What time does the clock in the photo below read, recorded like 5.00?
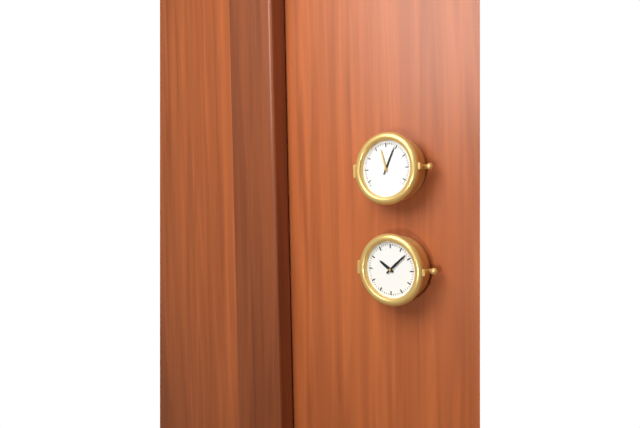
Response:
10.08
